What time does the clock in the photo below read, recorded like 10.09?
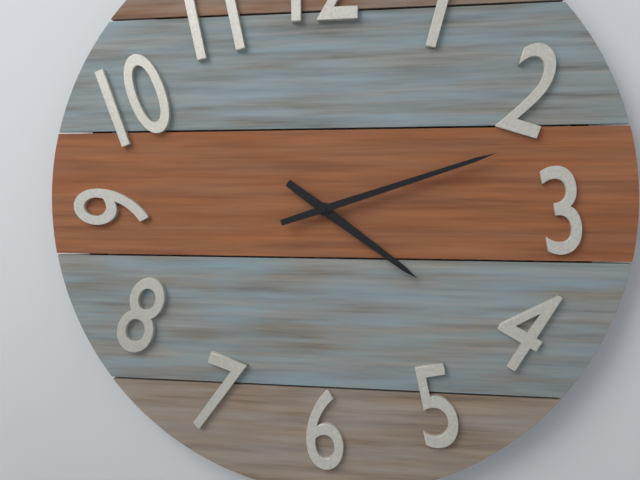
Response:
4.12
